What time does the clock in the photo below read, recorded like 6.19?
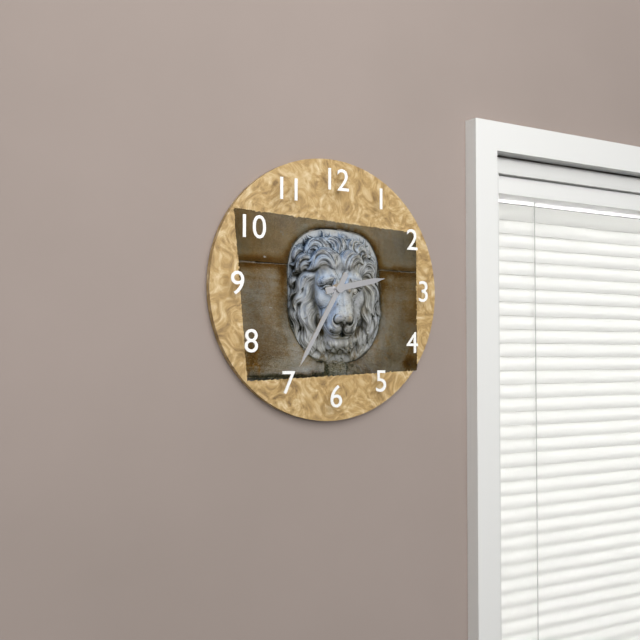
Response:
2.35
